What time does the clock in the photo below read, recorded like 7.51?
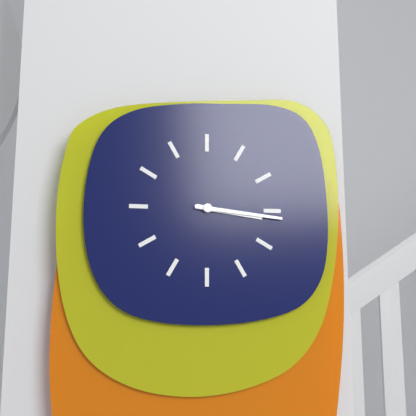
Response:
3.16
